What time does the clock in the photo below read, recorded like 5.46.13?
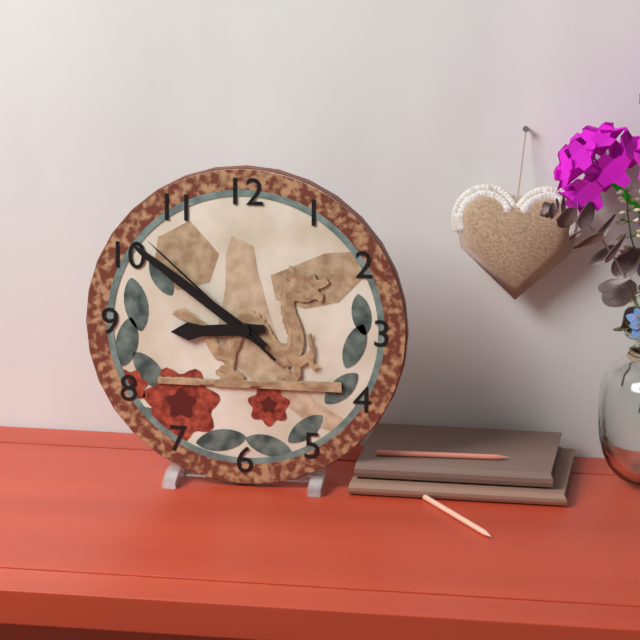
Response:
8.51.52
